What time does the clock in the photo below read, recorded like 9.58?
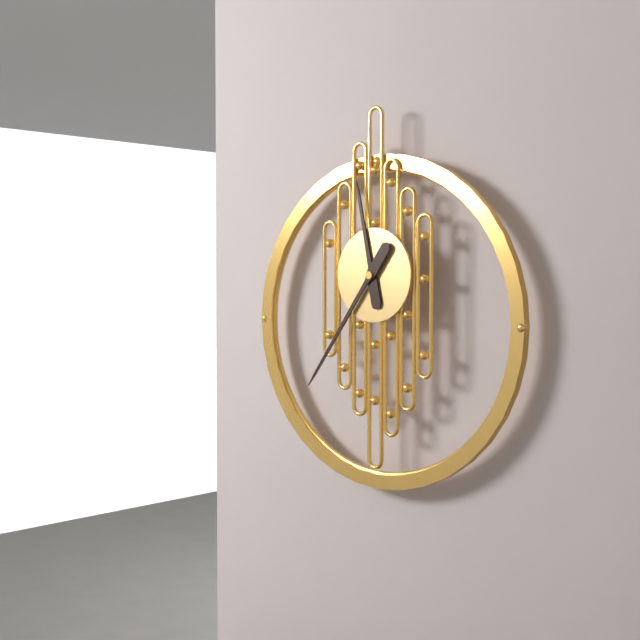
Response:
11.36
